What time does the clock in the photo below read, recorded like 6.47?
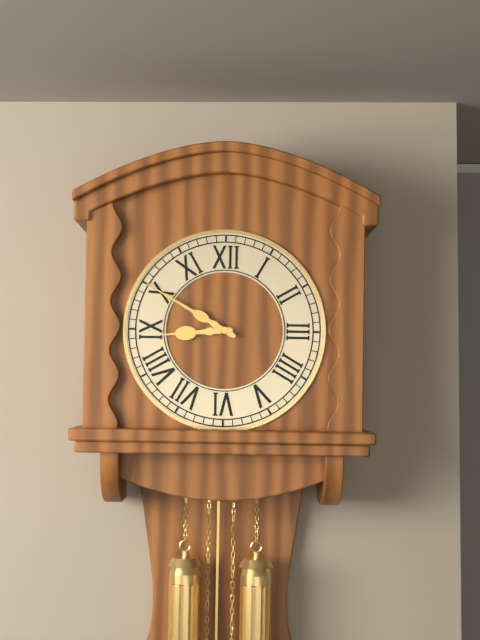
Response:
8.50
